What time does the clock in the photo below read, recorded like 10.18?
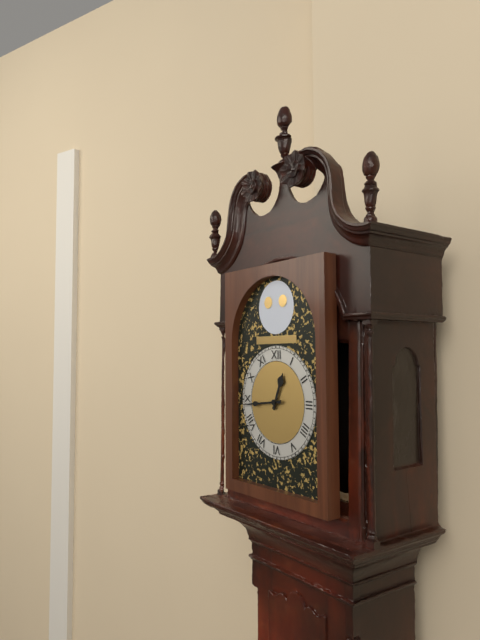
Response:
12.44
